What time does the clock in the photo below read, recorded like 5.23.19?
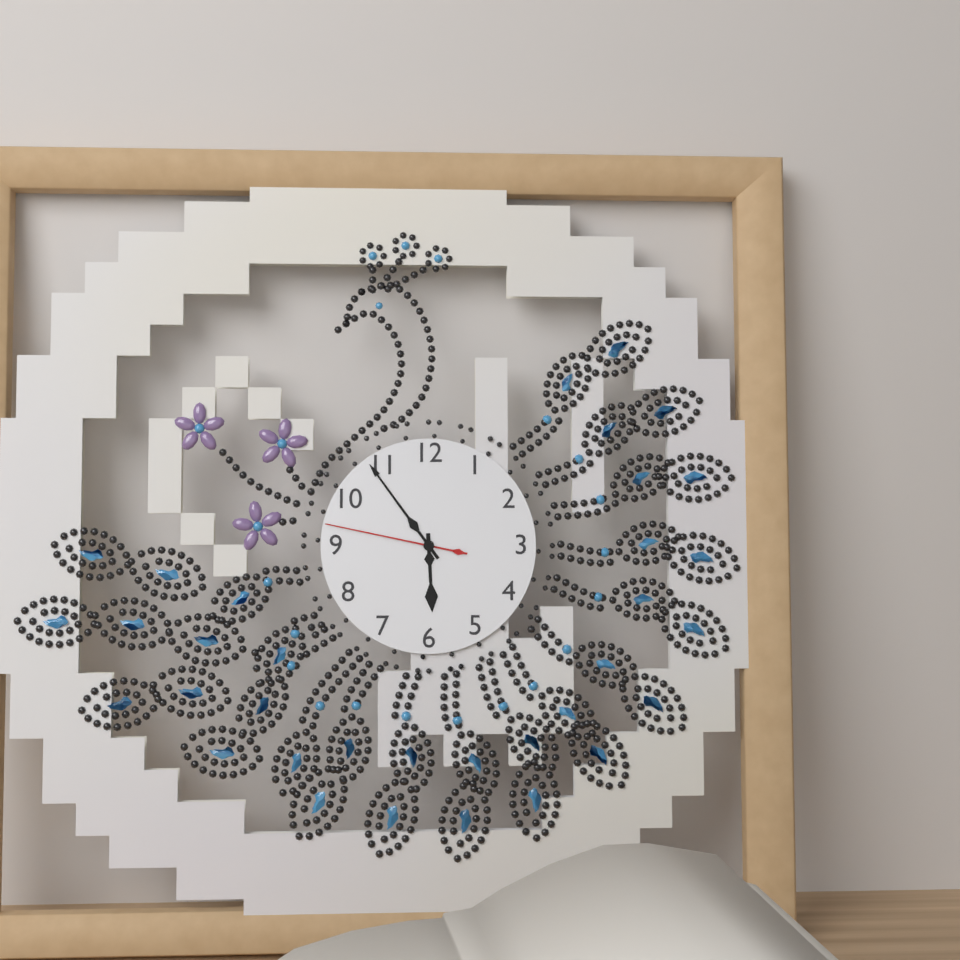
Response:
5.54.47
